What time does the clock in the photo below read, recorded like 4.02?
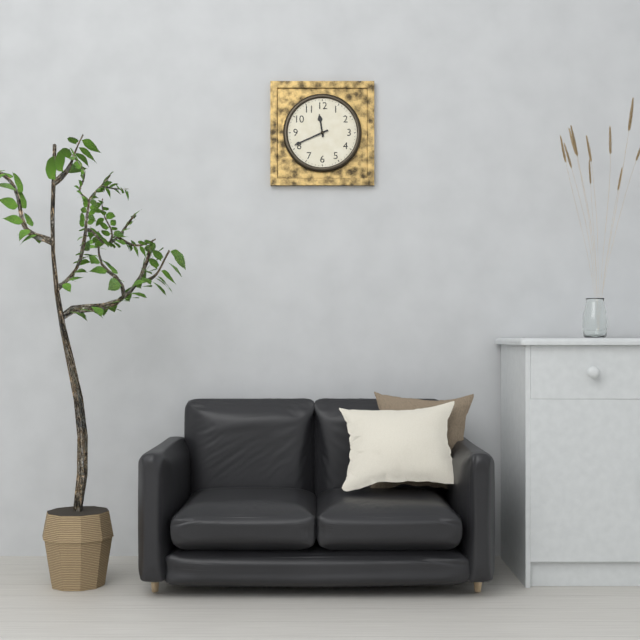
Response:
11.41
